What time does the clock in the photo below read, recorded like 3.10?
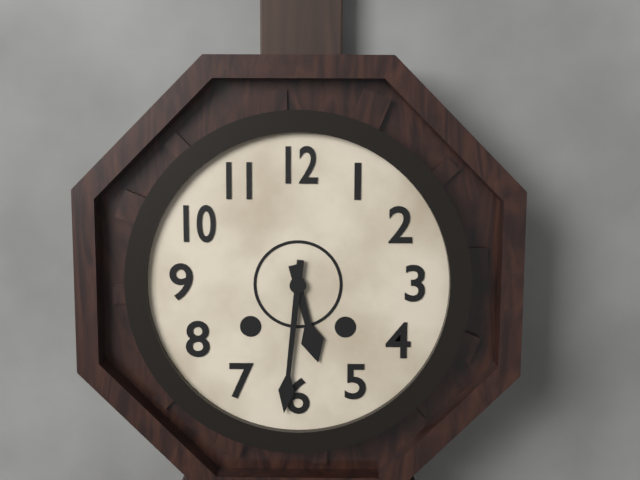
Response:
5.31
